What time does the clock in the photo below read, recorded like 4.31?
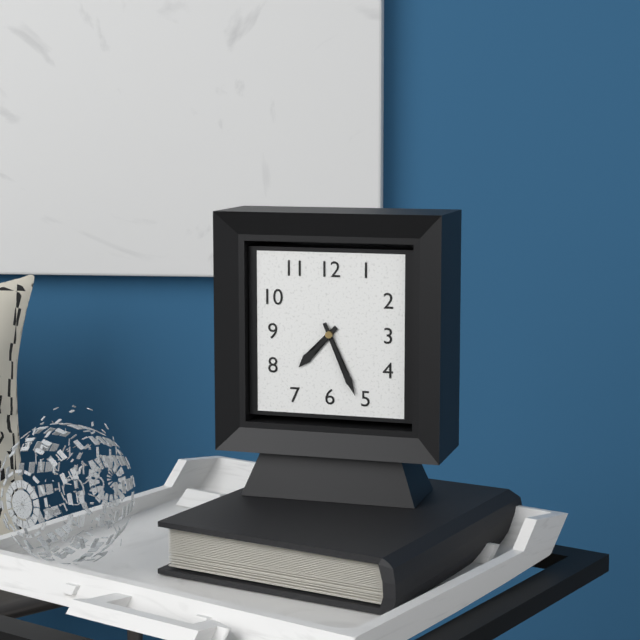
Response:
7.26
